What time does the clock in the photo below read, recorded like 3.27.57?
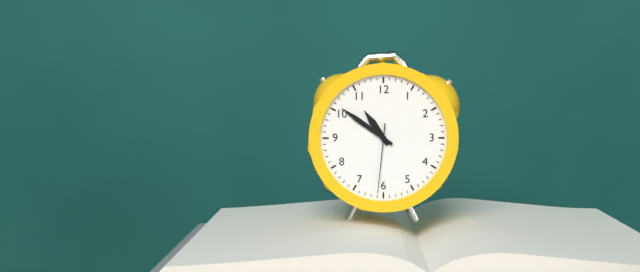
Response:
10.51.31
